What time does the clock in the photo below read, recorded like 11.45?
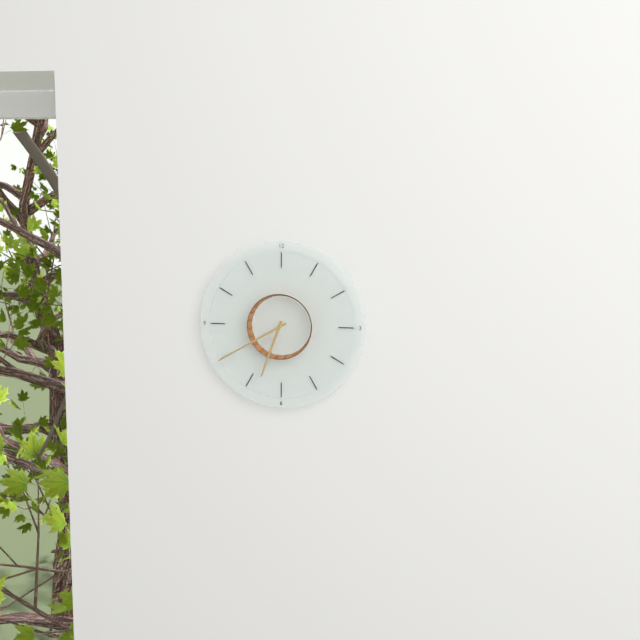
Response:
6.40
